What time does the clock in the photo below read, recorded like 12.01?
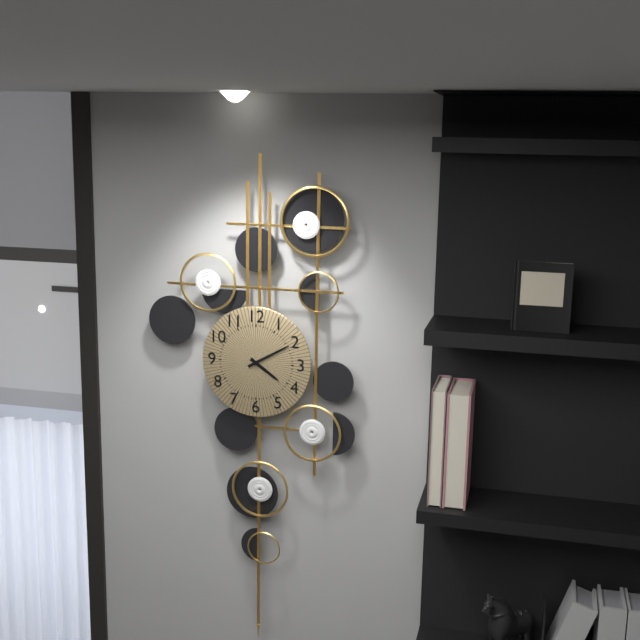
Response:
4.10
